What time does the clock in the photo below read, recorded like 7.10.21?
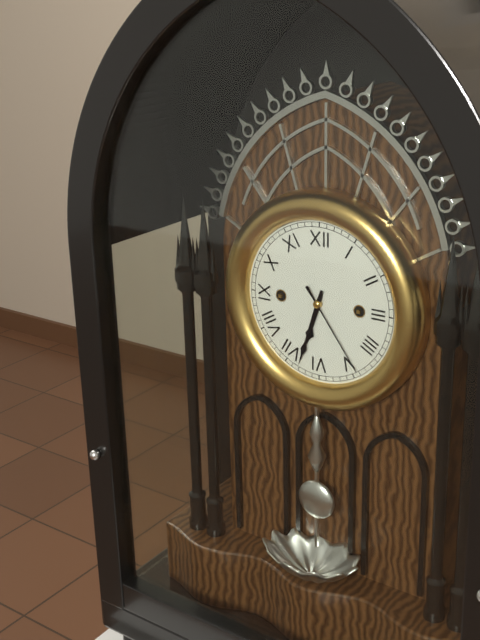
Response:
6.33.24
